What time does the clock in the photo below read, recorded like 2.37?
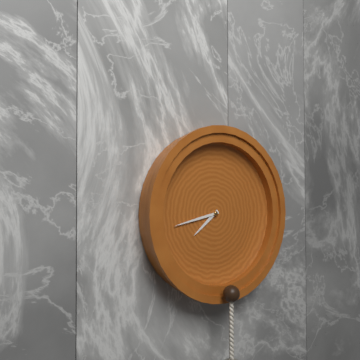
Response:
7.43
